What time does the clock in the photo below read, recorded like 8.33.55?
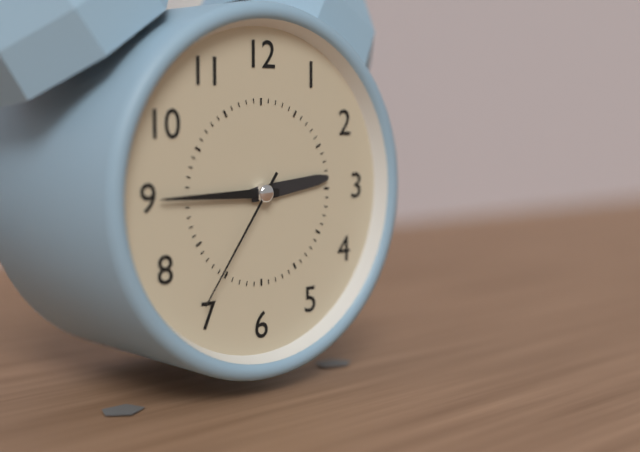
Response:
2.45.36
